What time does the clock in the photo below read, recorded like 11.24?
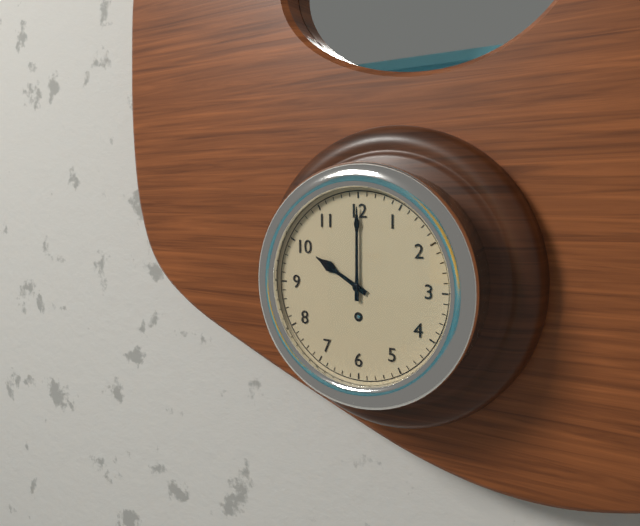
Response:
10.00
